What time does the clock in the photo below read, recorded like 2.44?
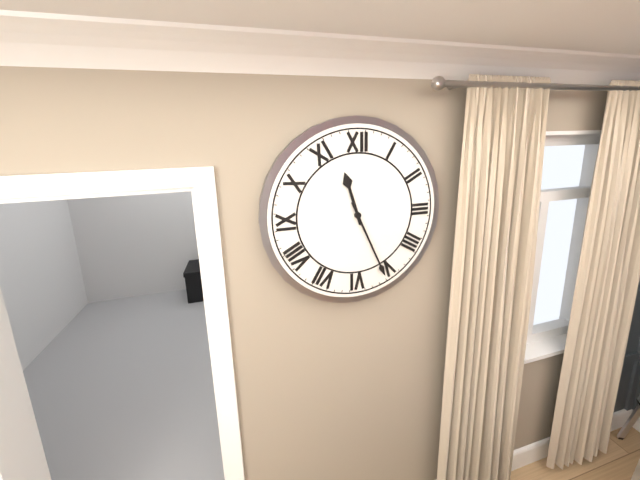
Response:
11.26
